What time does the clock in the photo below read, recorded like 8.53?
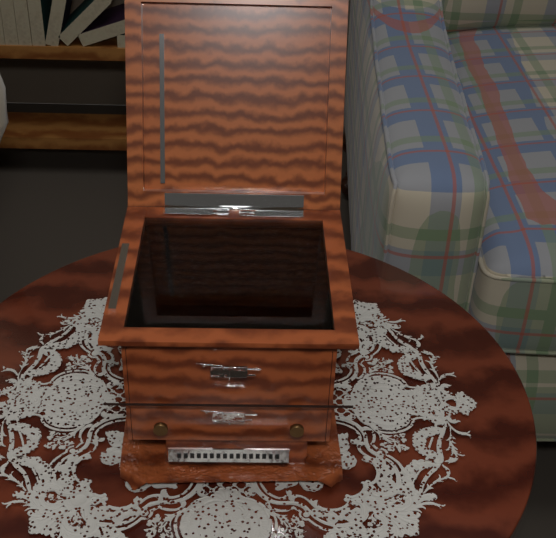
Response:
10.15
